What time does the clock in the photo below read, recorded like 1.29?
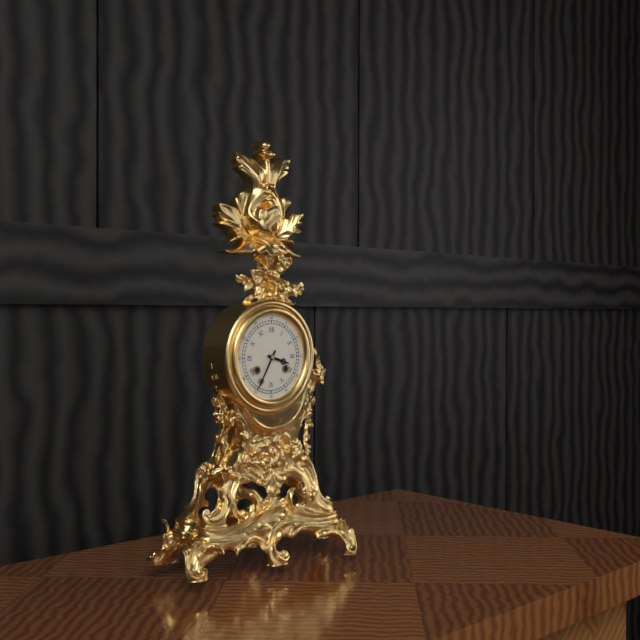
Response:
3.35
